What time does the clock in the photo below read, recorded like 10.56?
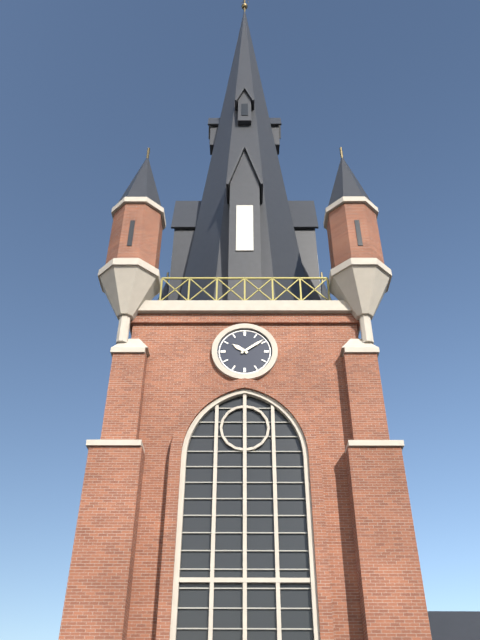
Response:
10.09
